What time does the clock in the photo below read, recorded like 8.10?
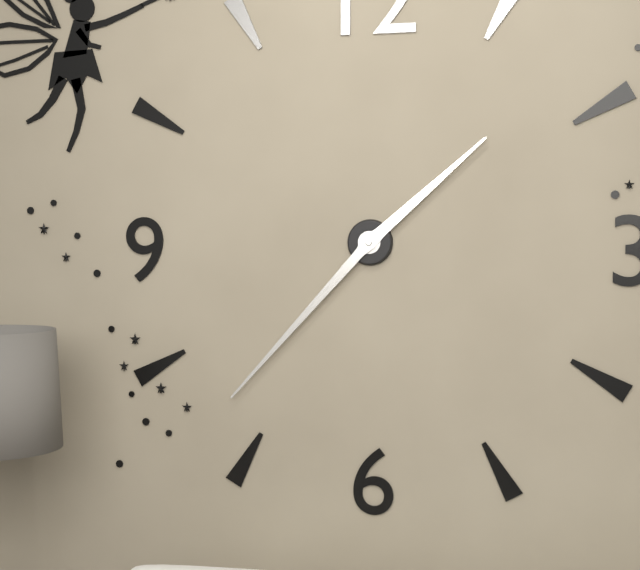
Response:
1.37
